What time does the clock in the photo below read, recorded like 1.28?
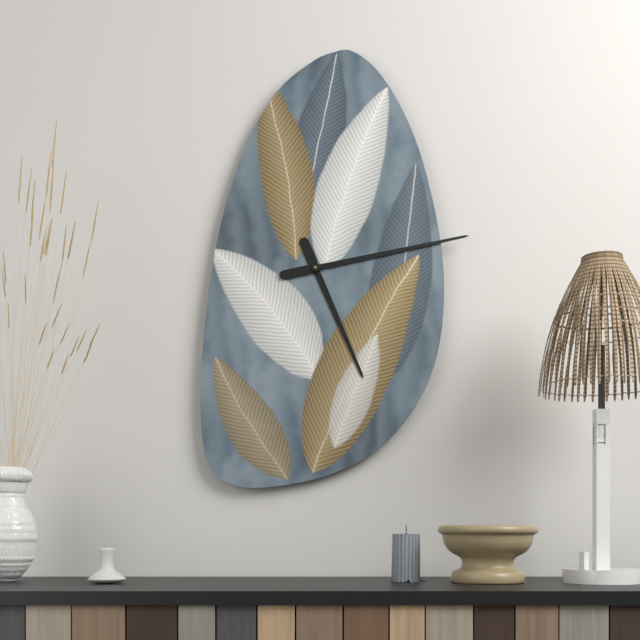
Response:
5.13
